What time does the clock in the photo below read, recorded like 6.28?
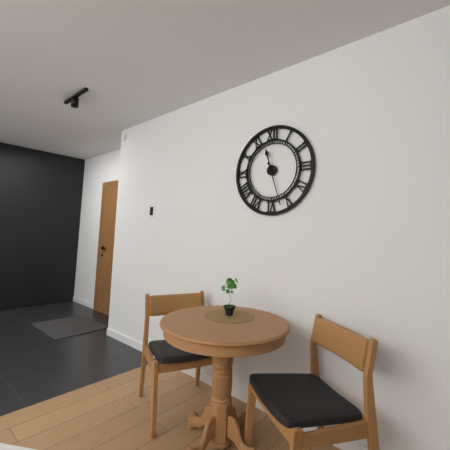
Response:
11.27
